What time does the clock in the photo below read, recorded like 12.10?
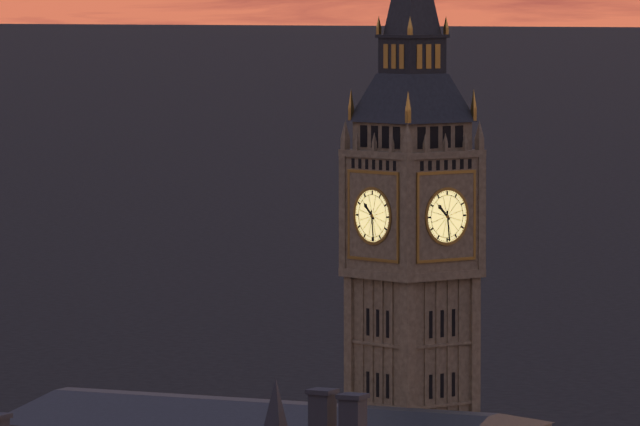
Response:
10.29
